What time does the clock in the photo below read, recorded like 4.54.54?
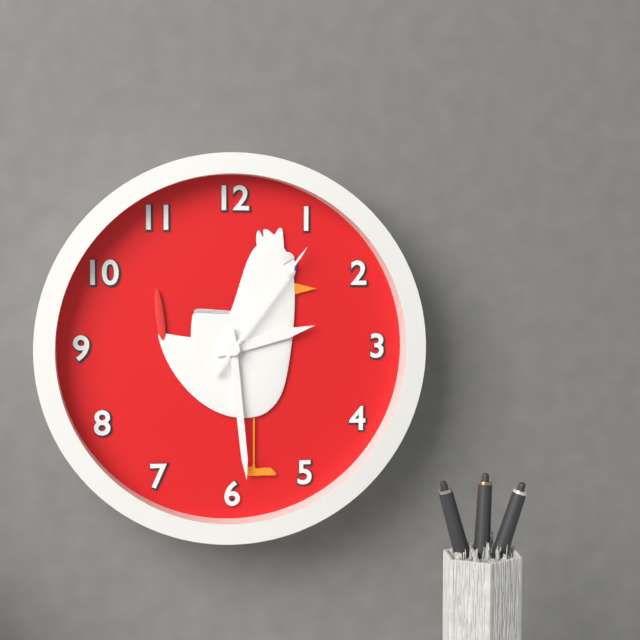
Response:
2.29.06
